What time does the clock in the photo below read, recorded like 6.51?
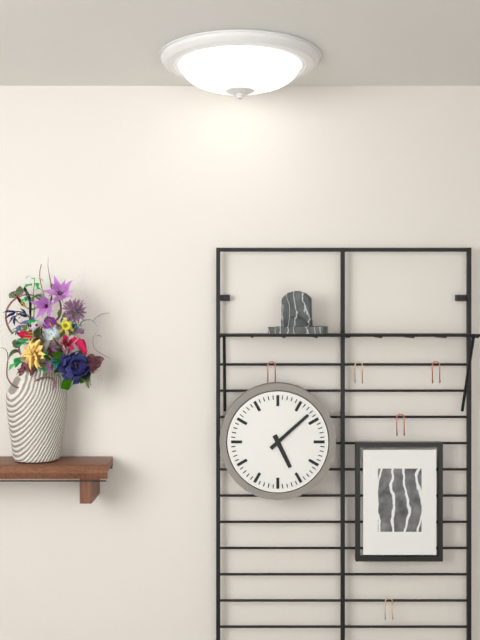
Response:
5.08
